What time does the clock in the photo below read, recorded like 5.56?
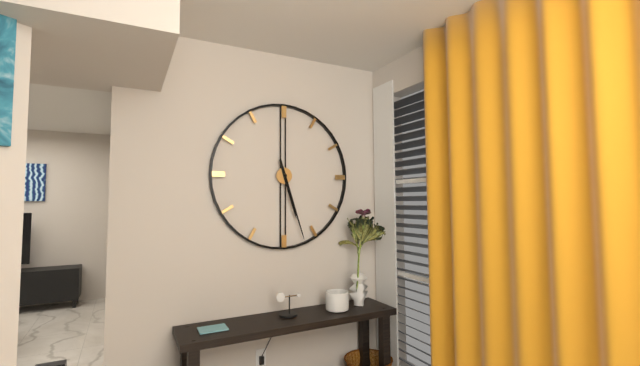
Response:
5.27
